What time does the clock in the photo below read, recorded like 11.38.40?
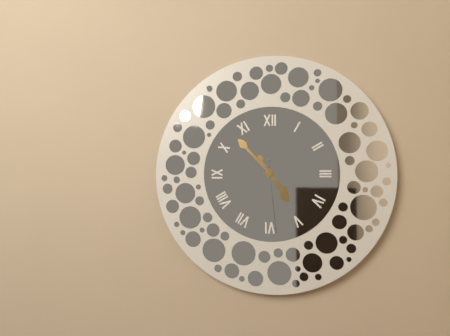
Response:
4.53.29
